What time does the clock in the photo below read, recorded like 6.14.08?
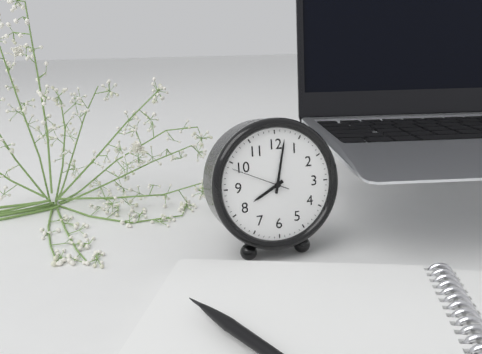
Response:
8.02.49
